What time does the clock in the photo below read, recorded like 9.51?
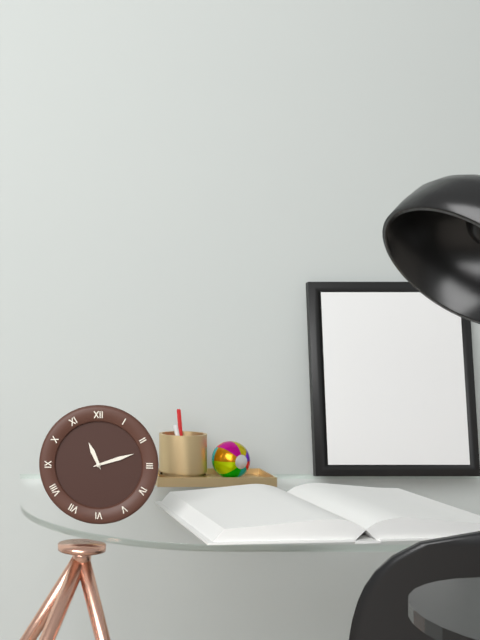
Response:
11.12
